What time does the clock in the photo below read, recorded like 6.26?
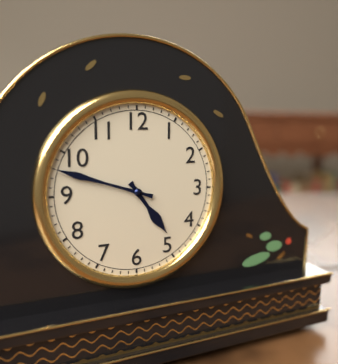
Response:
4.48
